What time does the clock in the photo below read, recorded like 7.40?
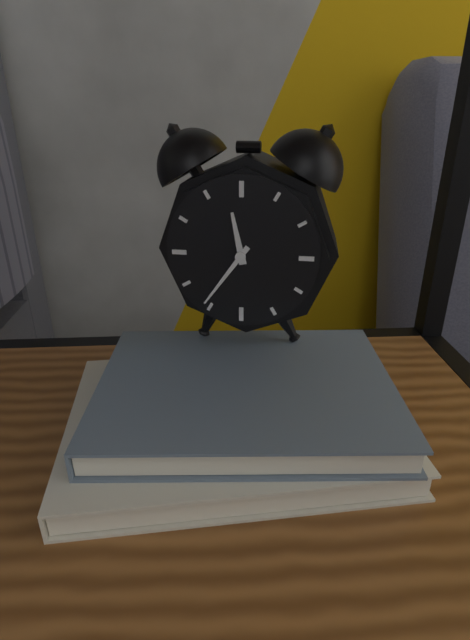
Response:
11.36
